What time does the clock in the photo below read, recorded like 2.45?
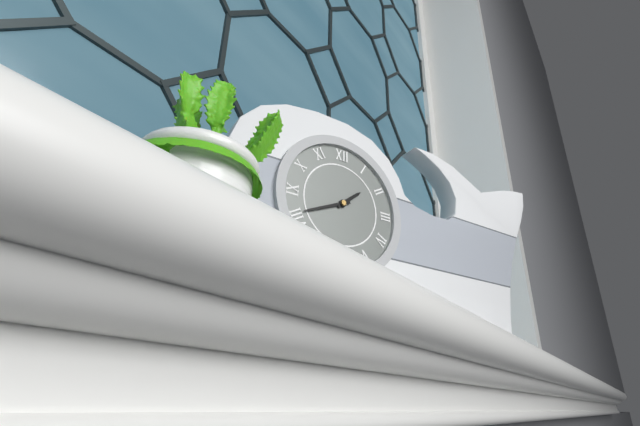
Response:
1.41
